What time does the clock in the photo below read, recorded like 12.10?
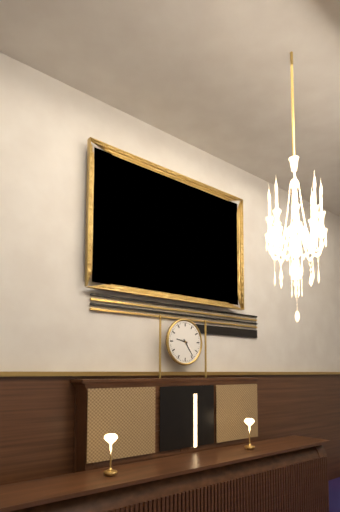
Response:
9.24
